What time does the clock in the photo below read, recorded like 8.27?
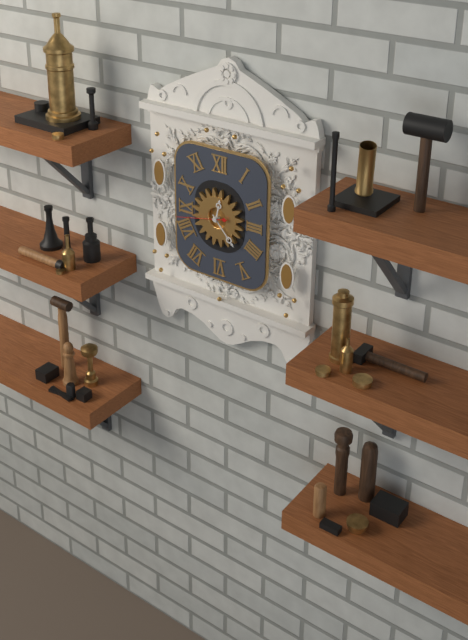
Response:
12.23
